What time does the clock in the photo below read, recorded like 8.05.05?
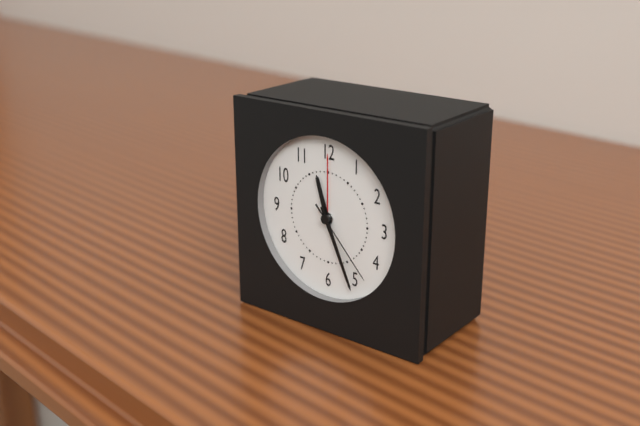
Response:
11.26.23
